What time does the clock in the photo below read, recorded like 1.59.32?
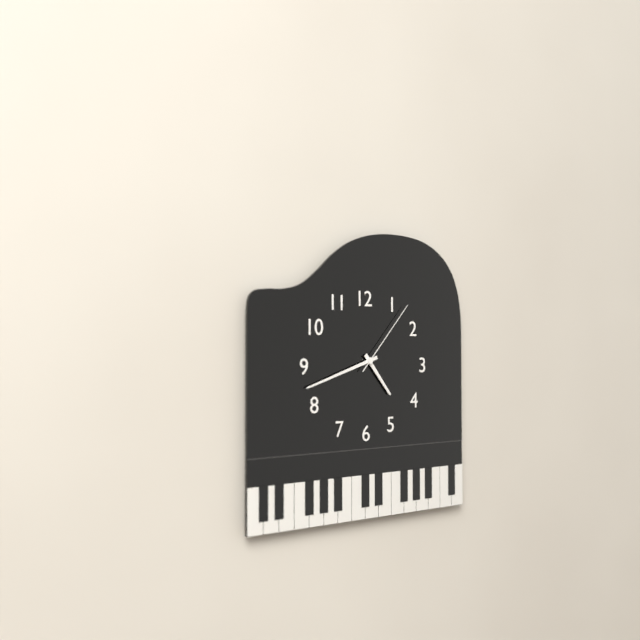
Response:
4.42.07
